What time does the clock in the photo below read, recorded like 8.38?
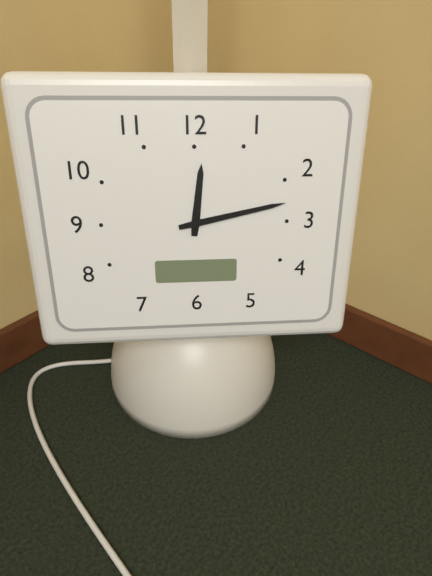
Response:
12.13
